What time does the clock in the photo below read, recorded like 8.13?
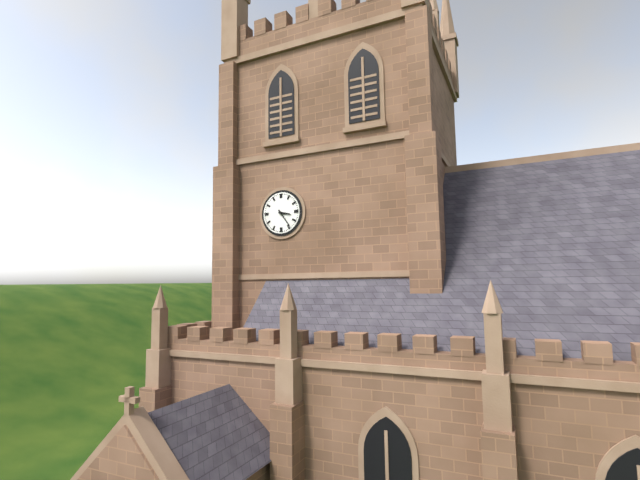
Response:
3.24
